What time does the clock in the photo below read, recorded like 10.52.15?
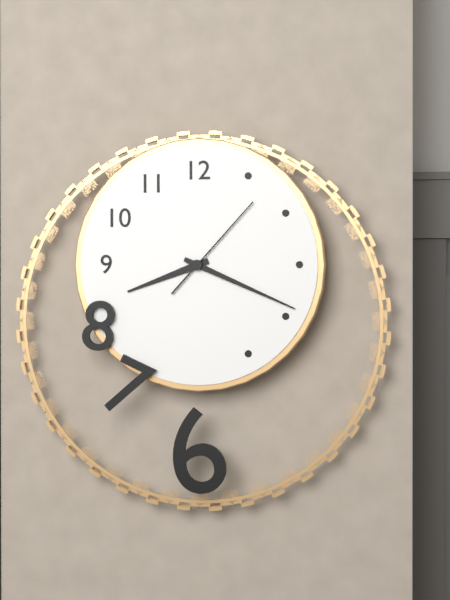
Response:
8.19.07
